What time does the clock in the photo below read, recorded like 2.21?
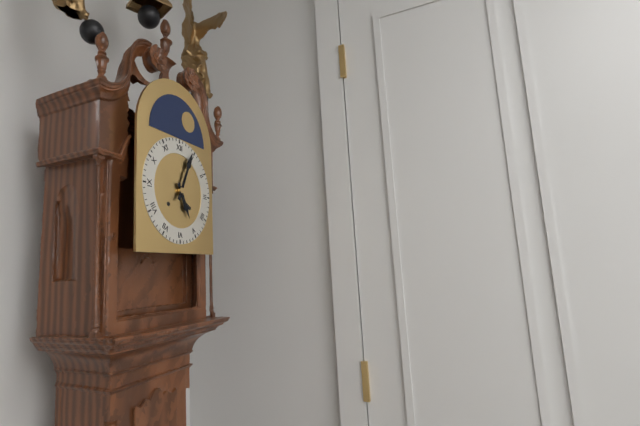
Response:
5.04
